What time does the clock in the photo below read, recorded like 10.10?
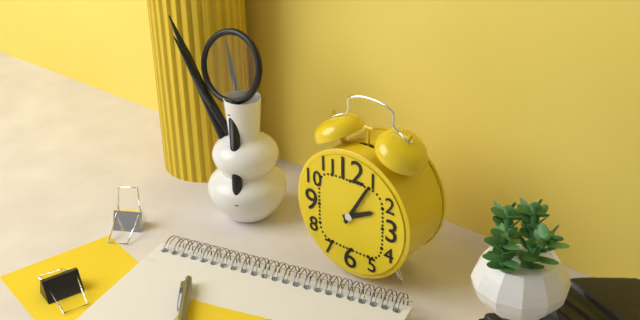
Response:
2.05
